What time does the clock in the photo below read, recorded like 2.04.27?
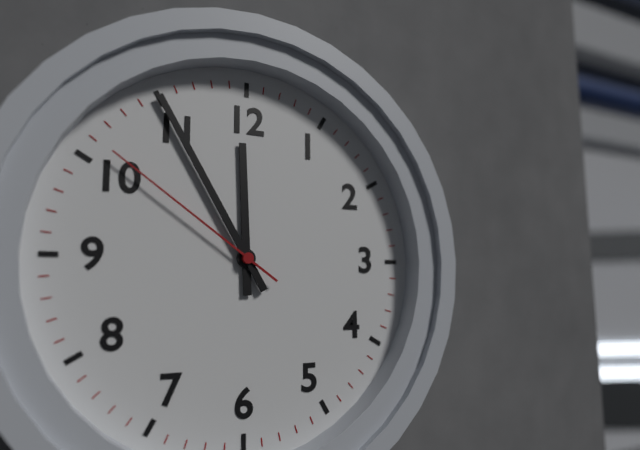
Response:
11.55.51
